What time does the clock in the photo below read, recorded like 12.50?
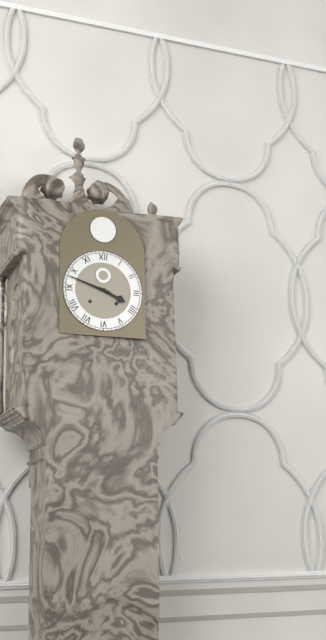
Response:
3.48
